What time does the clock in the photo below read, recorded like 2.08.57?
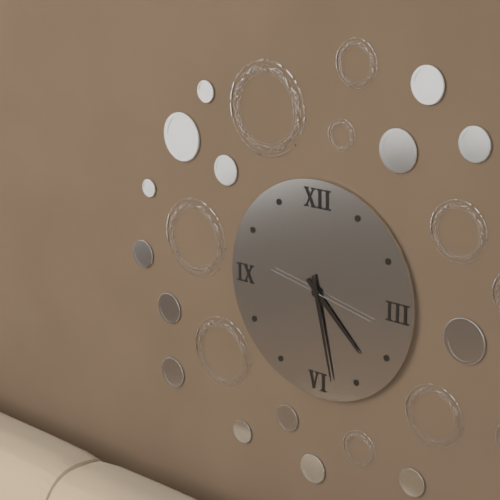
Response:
4.28.17
